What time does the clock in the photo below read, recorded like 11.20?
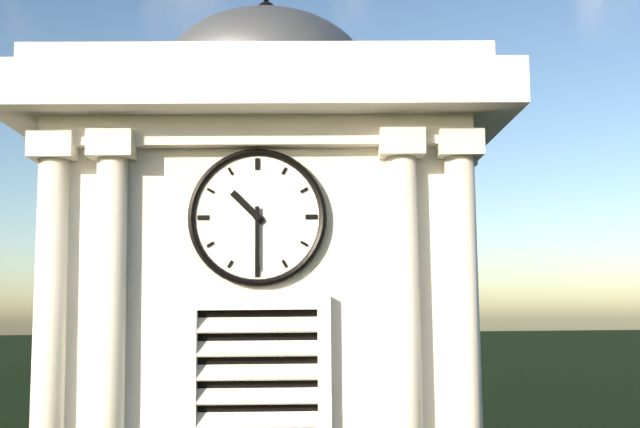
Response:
10.30
